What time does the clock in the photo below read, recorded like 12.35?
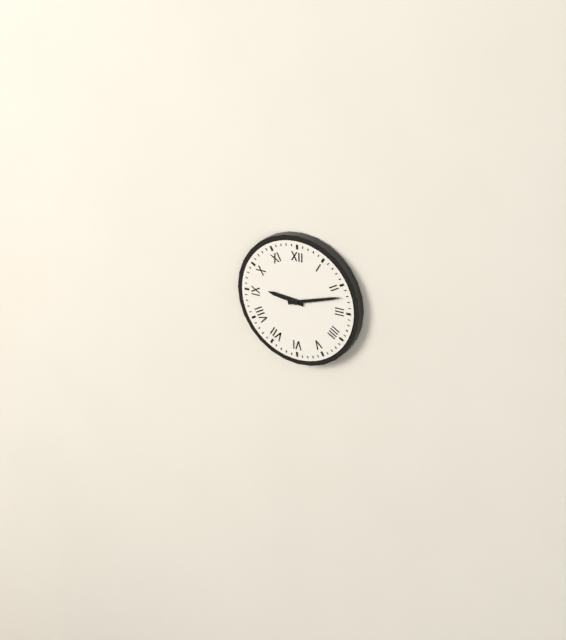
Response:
9.12
